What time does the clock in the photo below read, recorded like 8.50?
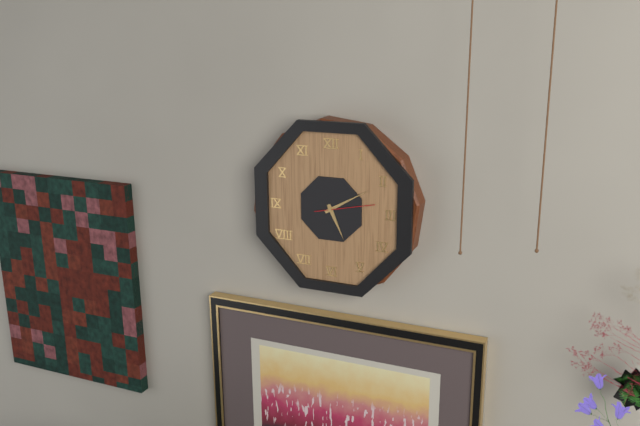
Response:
5.10
